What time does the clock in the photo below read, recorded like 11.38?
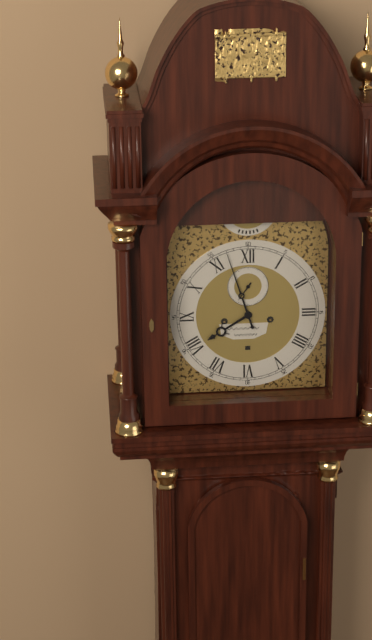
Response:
7.57
